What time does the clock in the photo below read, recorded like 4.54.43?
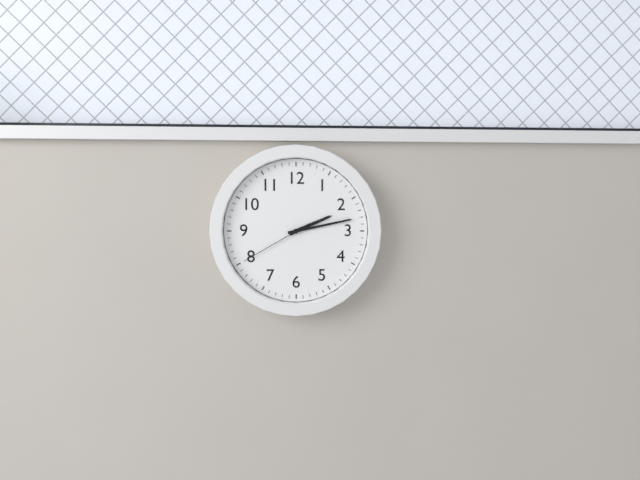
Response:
2.13.40
